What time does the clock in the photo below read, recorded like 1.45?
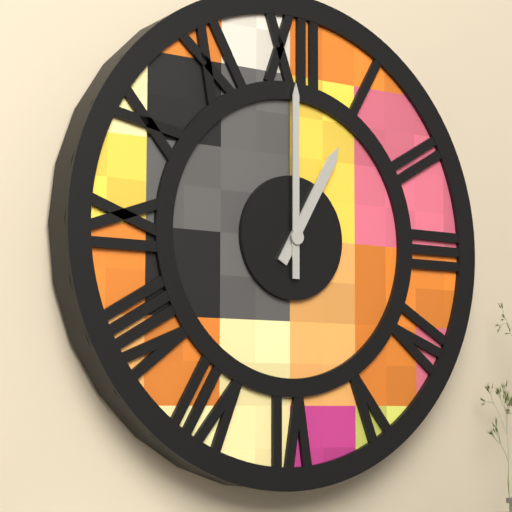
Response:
1.00
